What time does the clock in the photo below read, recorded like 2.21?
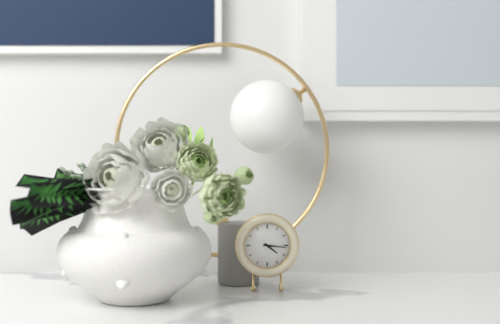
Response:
4.16
